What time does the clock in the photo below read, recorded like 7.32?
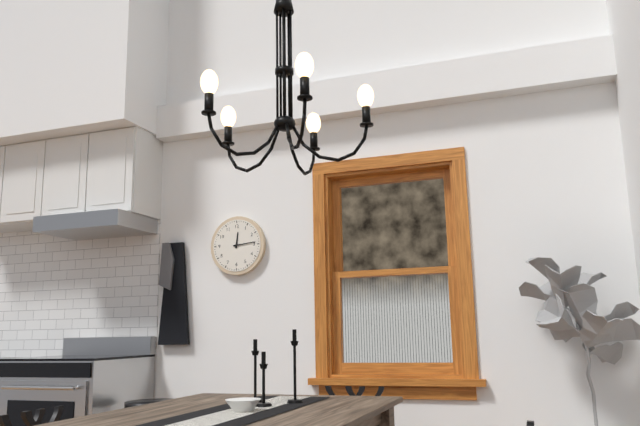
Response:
12.14
